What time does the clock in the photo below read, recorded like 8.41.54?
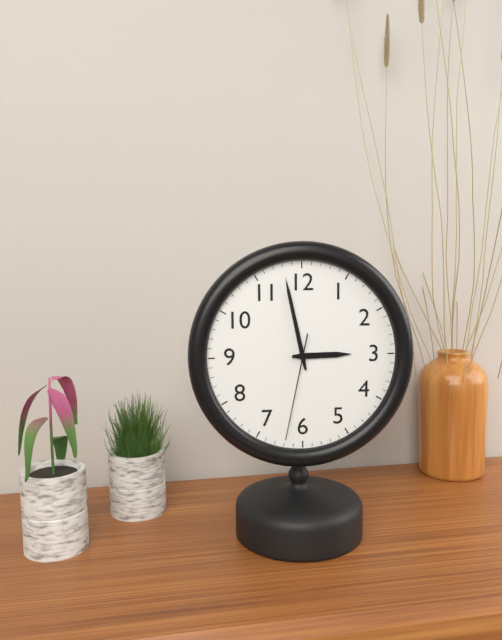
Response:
2.58.32
